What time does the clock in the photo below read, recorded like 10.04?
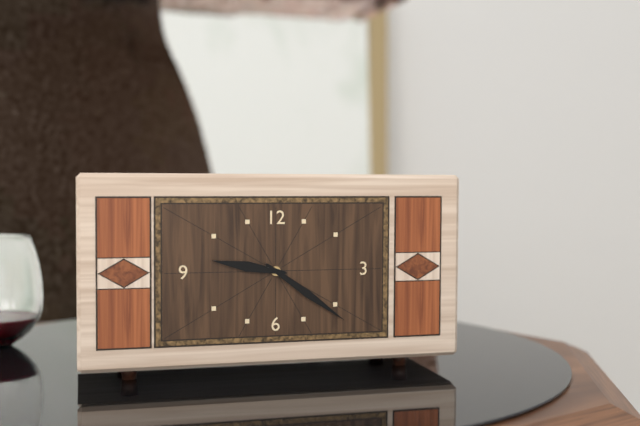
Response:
9.21
